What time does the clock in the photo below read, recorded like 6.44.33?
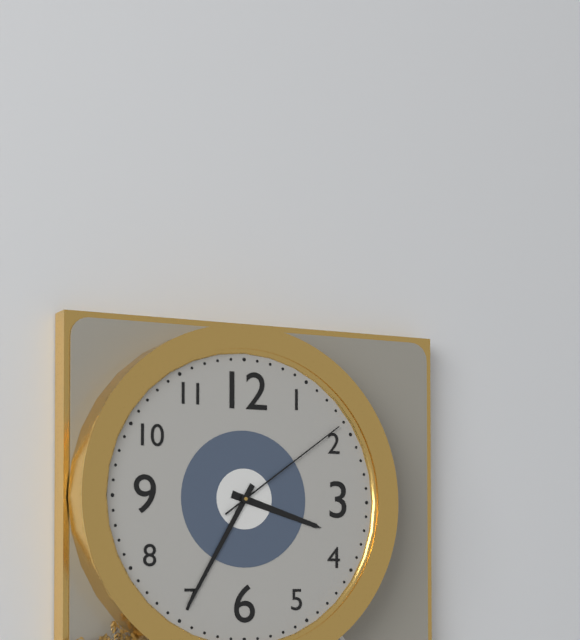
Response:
3.35.09
